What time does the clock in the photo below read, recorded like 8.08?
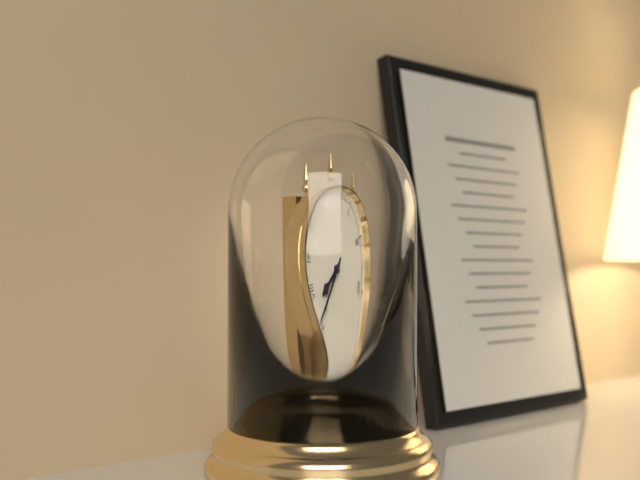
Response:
7.36
